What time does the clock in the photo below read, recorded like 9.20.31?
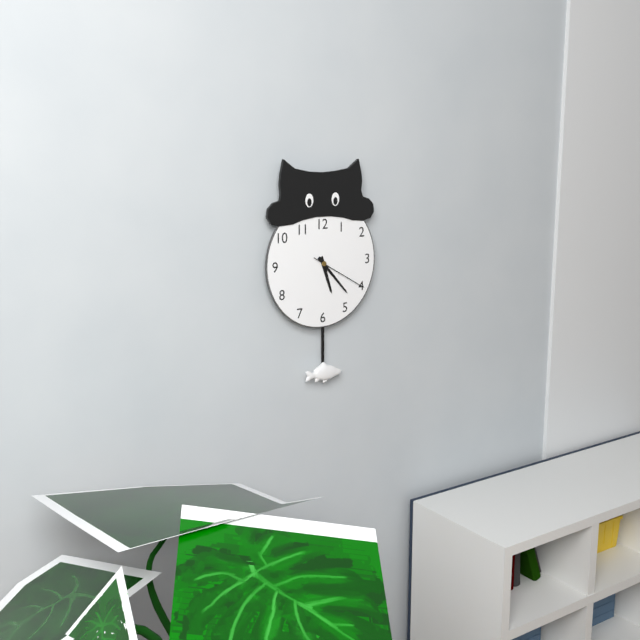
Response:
5.23.20
